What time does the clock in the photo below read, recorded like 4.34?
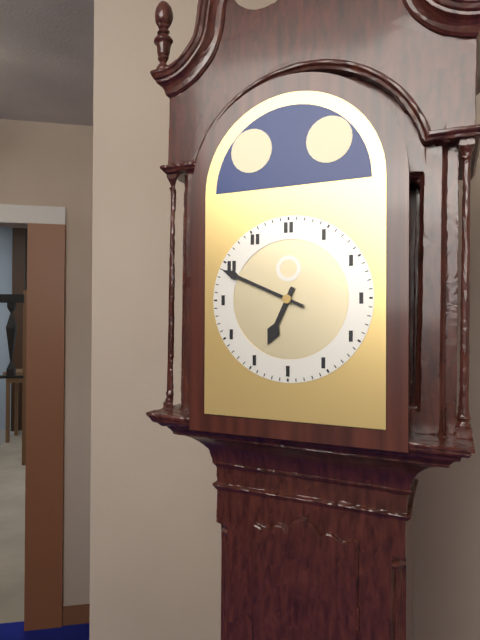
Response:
6.49
